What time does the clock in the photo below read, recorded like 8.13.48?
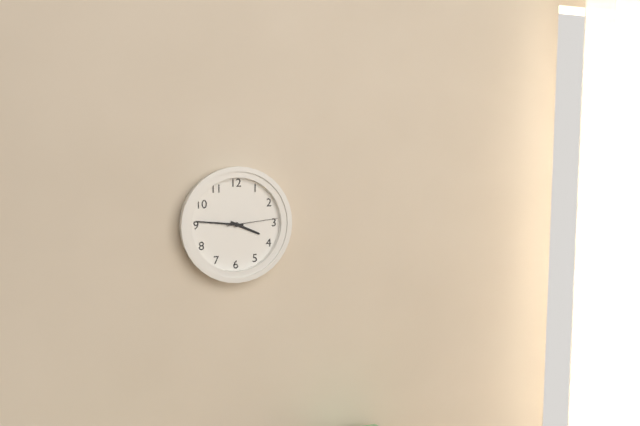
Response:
3.46.14
